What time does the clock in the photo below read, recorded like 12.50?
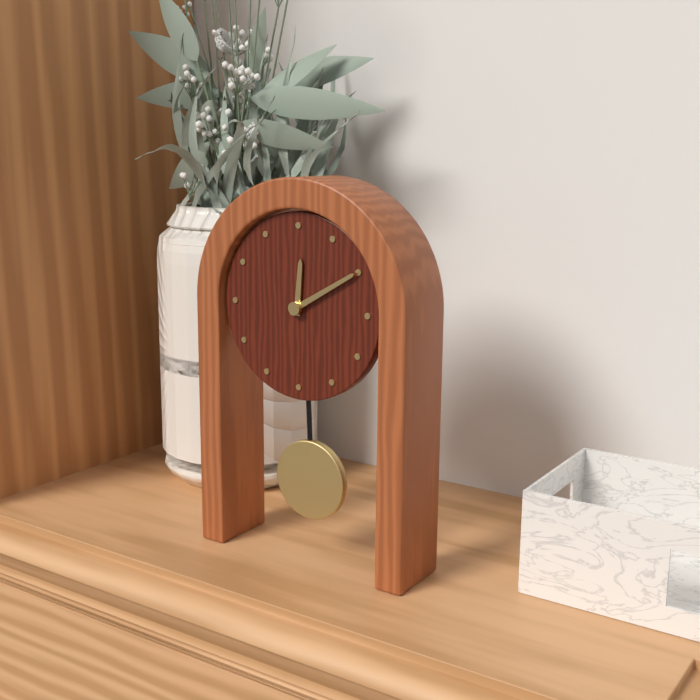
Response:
12.10
